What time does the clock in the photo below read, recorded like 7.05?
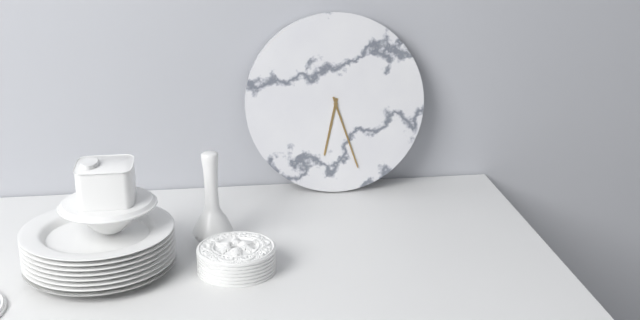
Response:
6.27
